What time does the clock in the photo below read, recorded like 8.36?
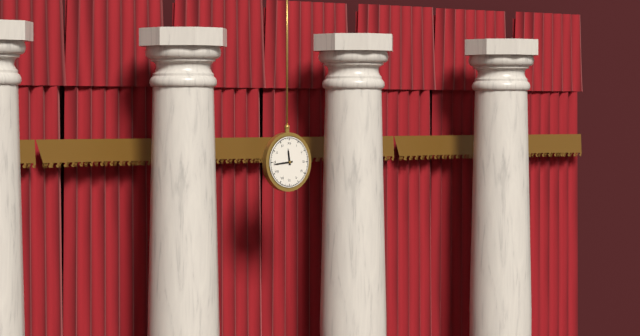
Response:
11.44
